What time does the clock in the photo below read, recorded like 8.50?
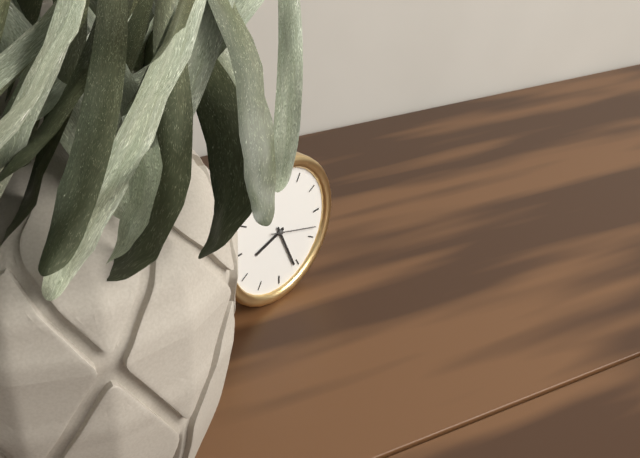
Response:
8.26
